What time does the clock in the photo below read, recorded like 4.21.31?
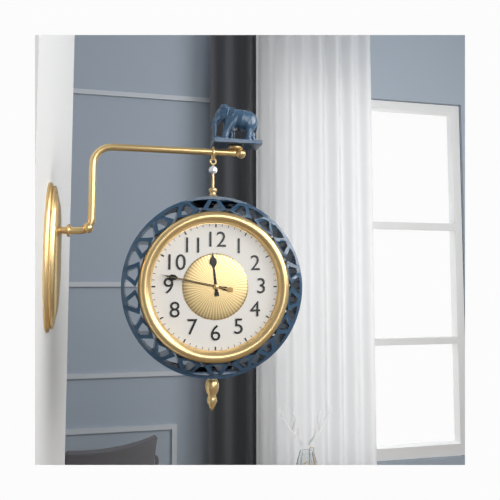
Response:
11.47.47
